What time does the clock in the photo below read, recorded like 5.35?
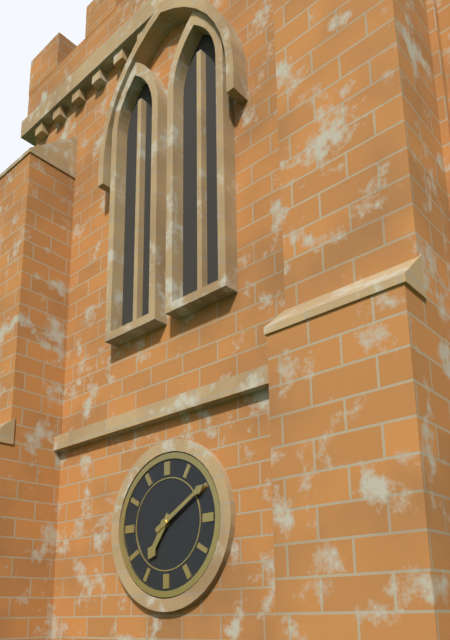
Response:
7.10
